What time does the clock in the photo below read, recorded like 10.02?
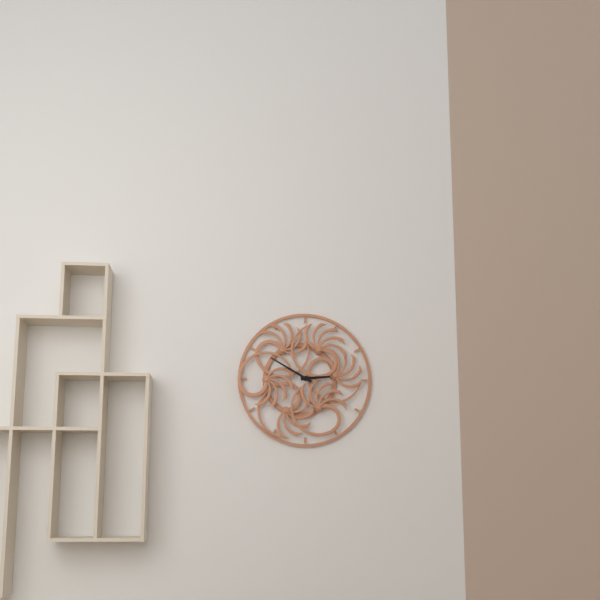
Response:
2.50
